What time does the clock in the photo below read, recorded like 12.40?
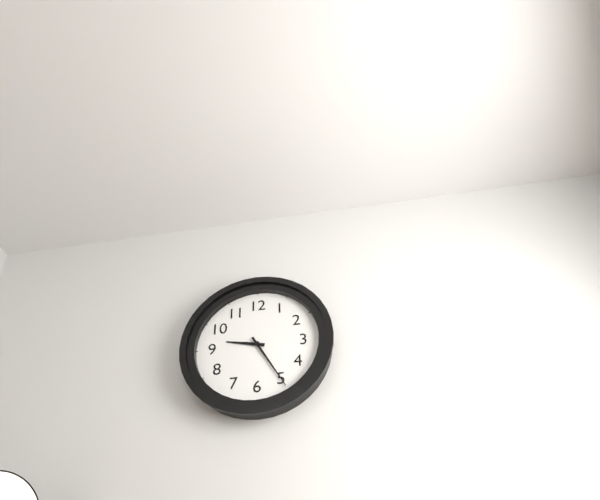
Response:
9.25
